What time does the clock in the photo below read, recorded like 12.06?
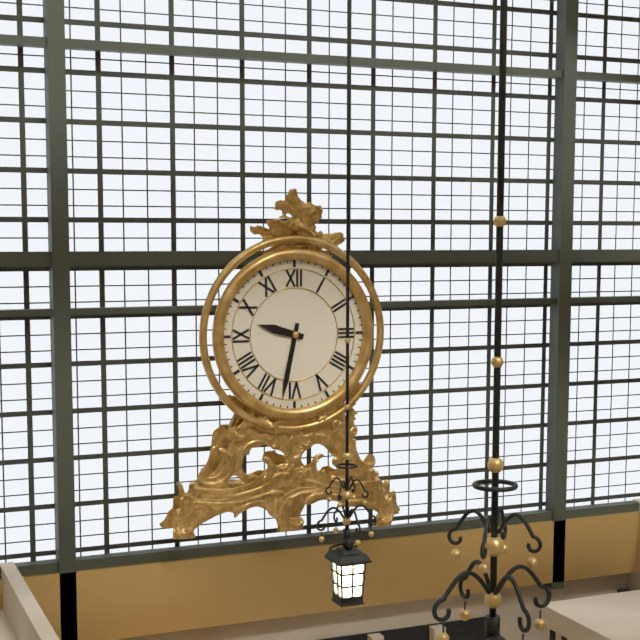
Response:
9.32
